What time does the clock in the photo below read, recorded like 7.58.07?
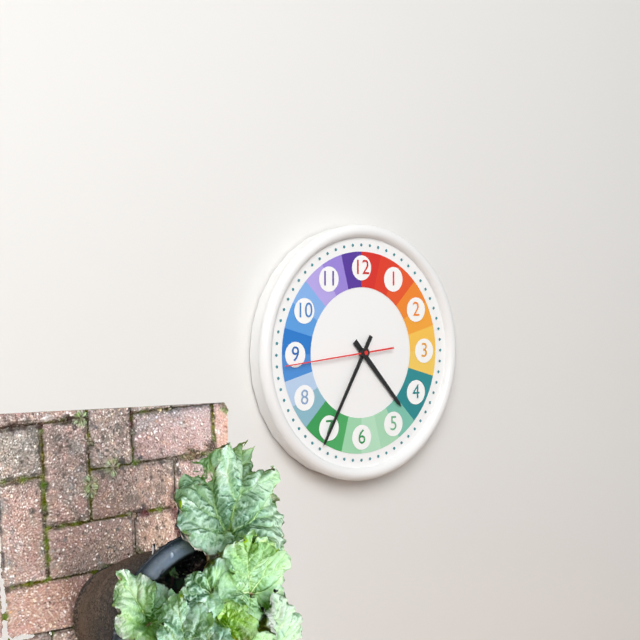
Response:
4.35.44
